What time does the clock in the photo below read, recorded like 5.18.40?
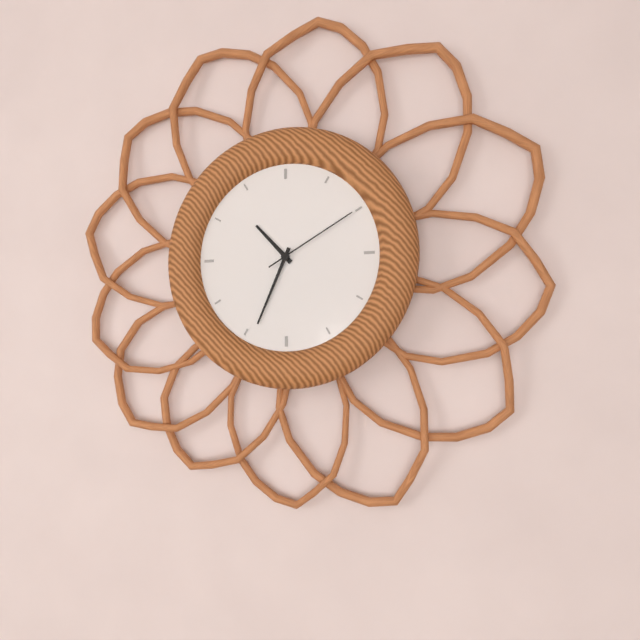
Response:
10.34.10
